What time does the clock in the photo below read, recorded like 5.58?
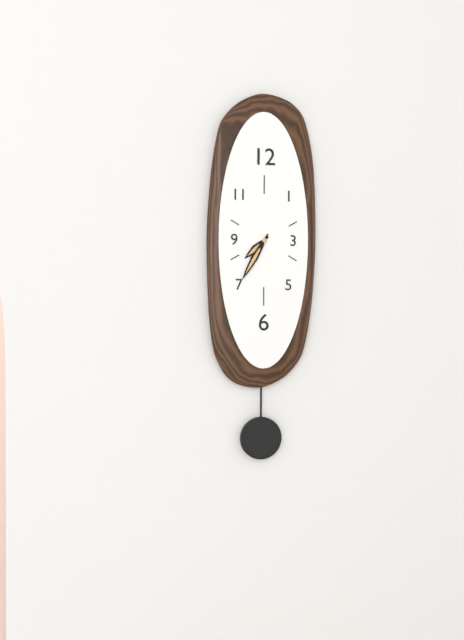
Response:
7.35
